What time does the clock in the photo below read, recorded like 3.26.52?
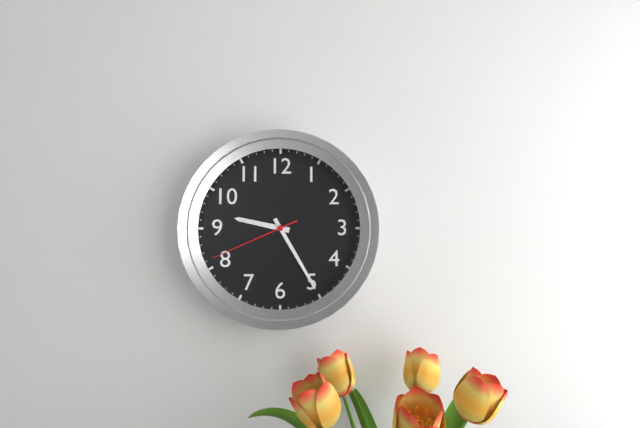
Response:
9.25.41
